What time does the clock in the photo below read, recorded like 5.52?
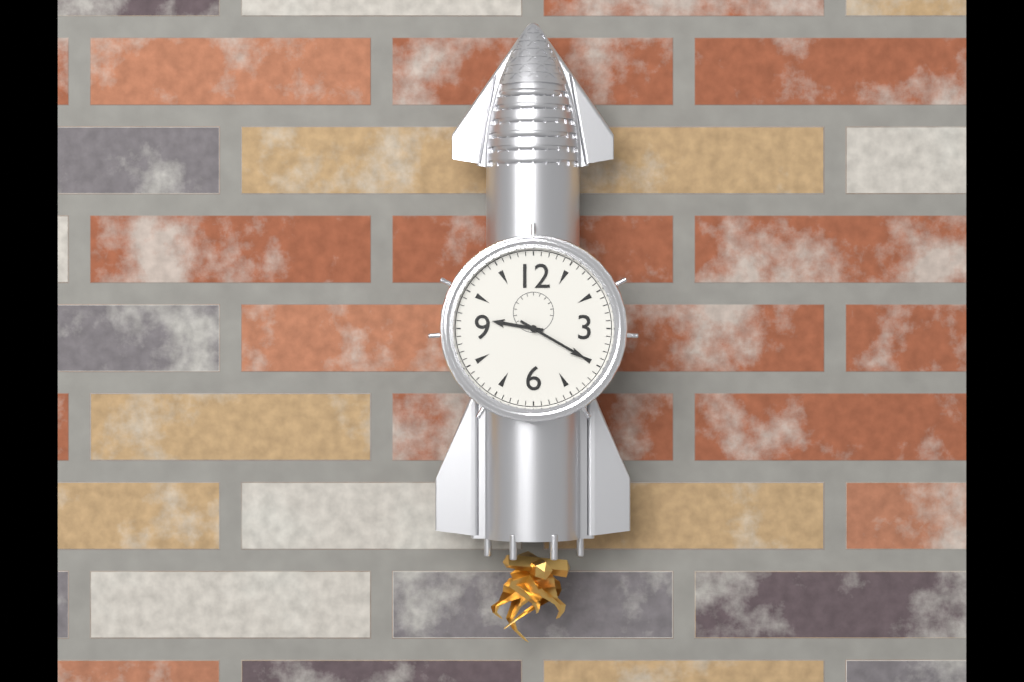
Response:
9.20
